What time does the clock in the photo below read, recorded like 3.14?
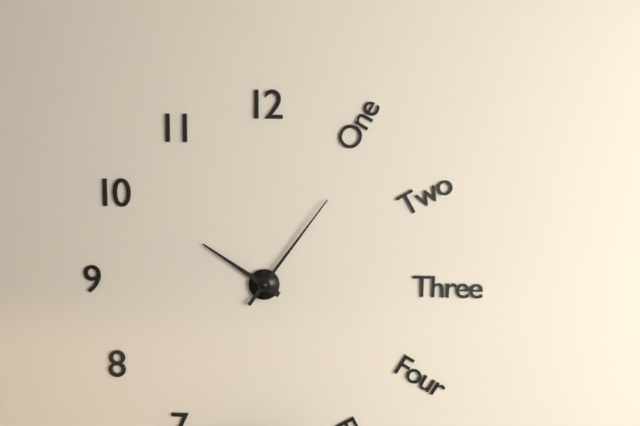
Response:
10.06
